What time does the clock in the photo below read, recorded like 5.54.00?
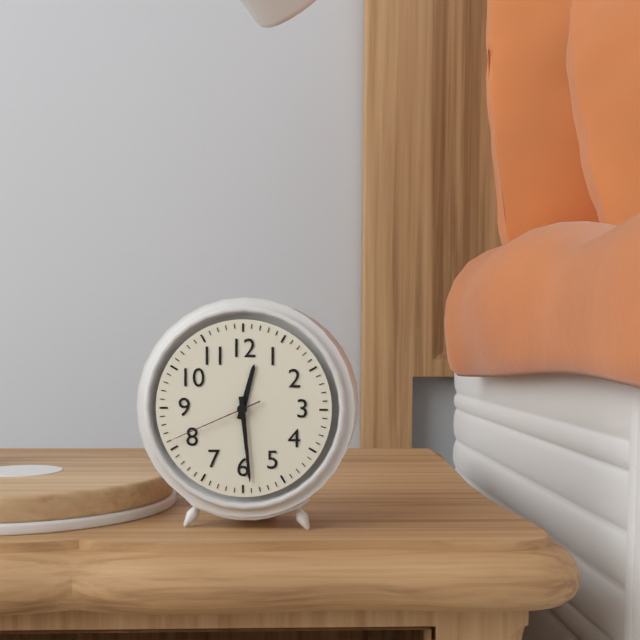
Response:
12.29.41
